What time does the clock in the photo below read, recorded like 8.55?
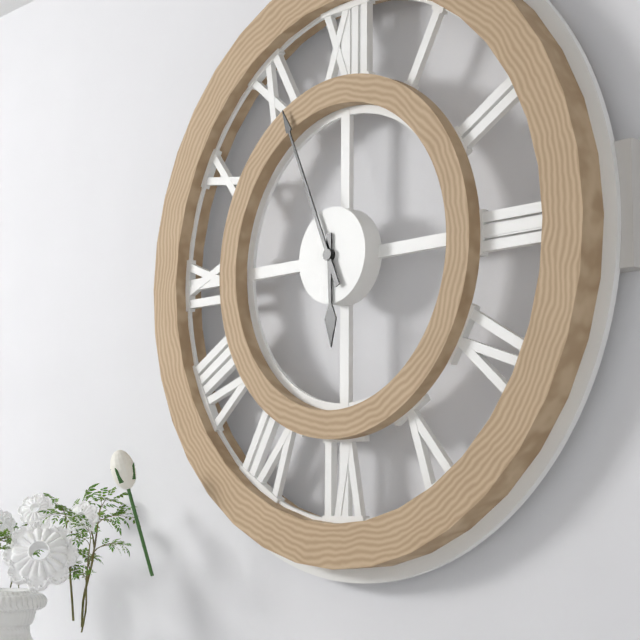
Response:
5.56
